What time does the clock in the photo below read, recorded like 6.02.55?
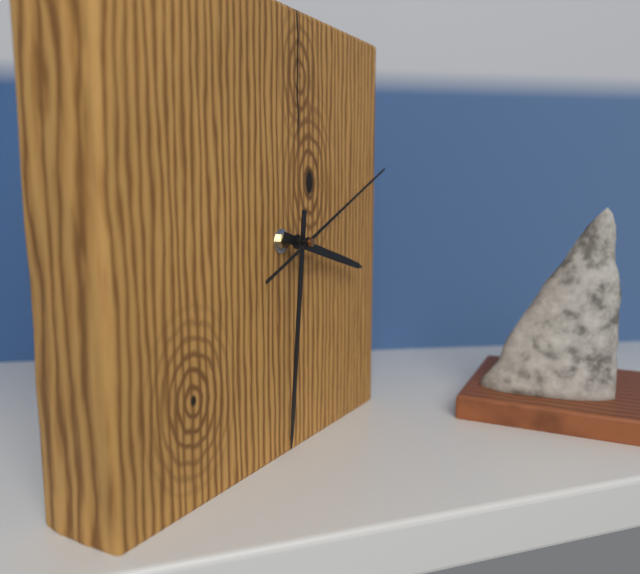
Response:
3.31.11
